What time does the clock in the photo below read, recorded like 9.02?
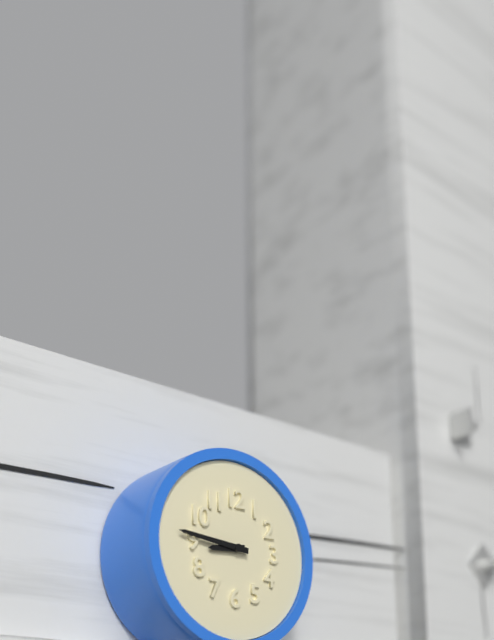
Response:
8.46
